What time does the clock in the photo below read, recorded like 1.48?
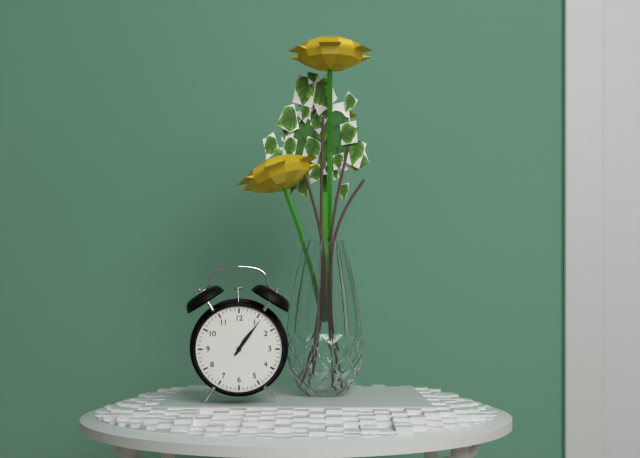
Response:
1.06
